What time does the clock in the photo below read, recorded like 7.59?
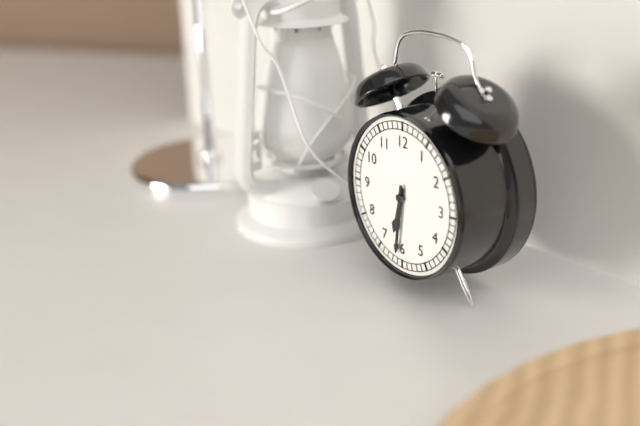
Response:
6.31
